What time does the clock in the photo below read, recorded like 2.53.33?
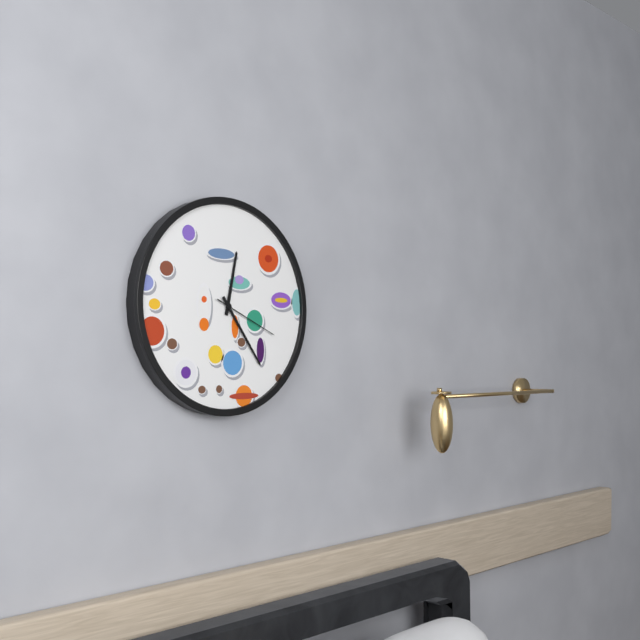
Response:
12.24.19
